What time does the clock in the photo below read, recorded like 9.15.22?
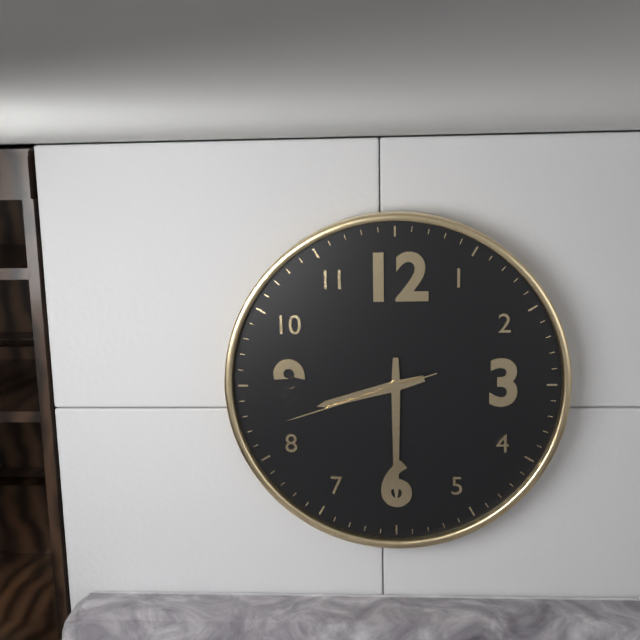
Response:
8.30.42
